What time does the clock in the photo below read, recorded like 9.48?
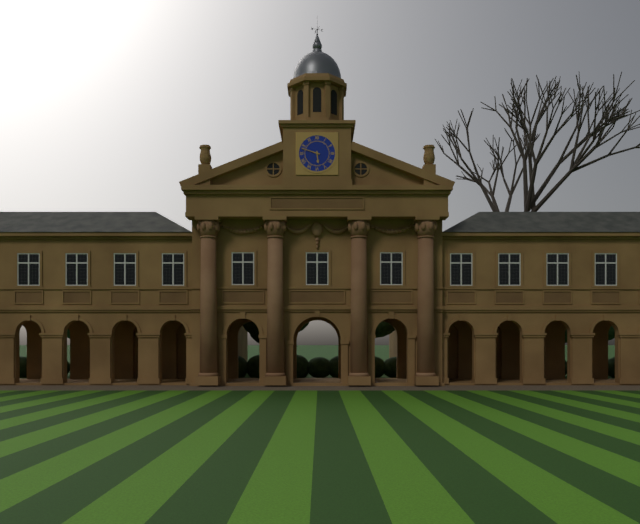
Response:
5.48
